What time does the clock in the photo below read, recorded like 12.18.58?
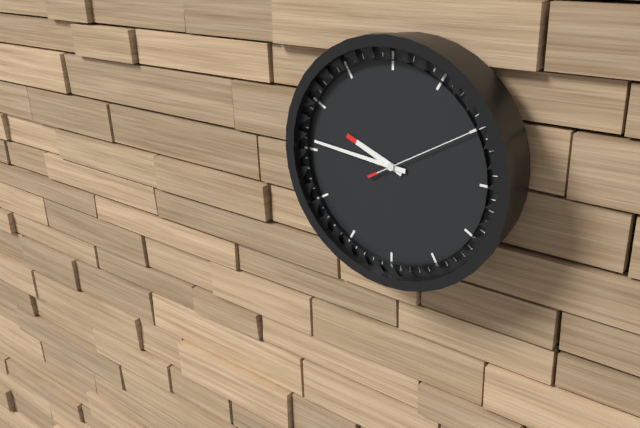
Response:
9.46.10
